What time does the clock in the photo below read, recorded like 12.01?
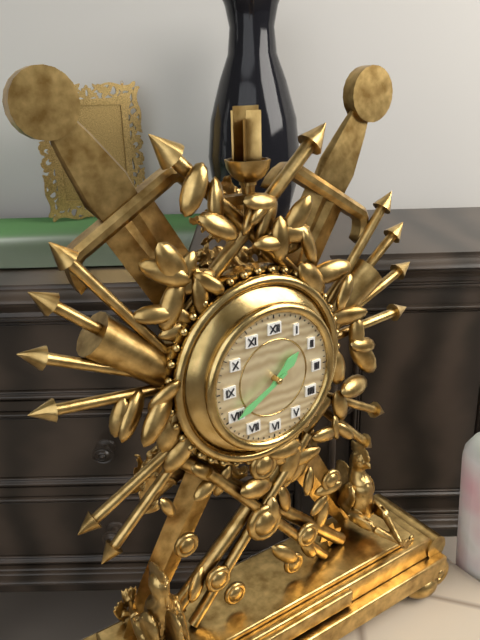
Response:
1.40
